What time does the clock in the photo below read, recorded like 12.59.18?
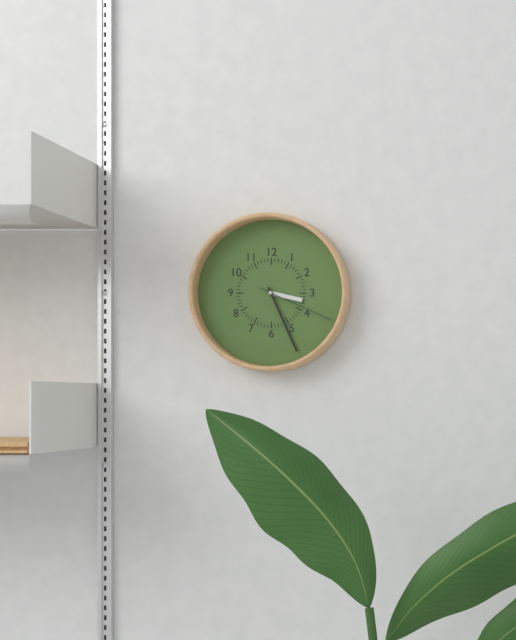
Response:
3.26.19
